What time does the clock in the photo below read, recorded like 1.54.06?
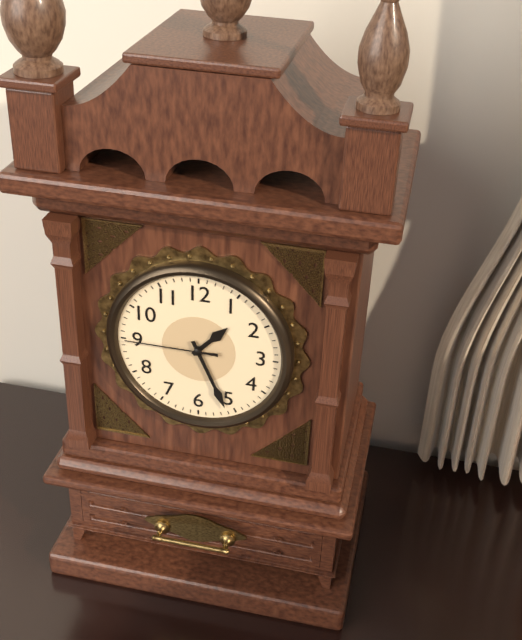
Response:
1.26.45
